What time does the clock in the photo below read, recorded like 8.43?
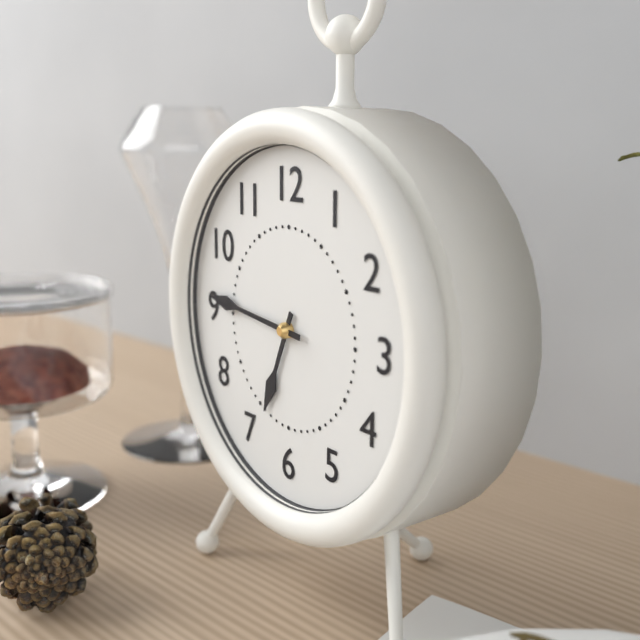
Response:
6.46
